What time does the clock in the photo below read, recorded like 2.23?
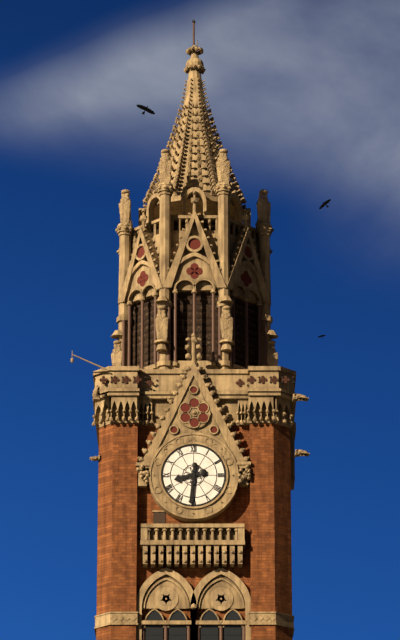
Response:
8.31
